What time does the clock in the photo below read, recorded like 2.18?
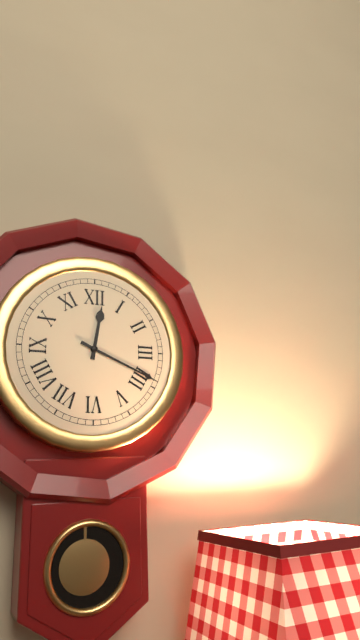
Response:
12.19
